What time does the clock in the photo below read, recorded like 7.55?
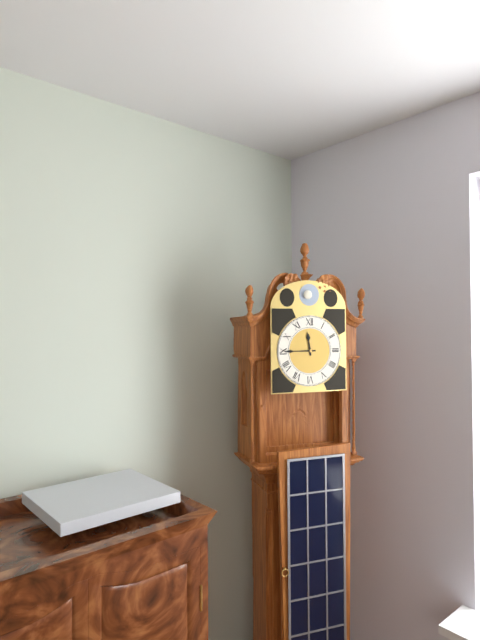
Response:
11.45
